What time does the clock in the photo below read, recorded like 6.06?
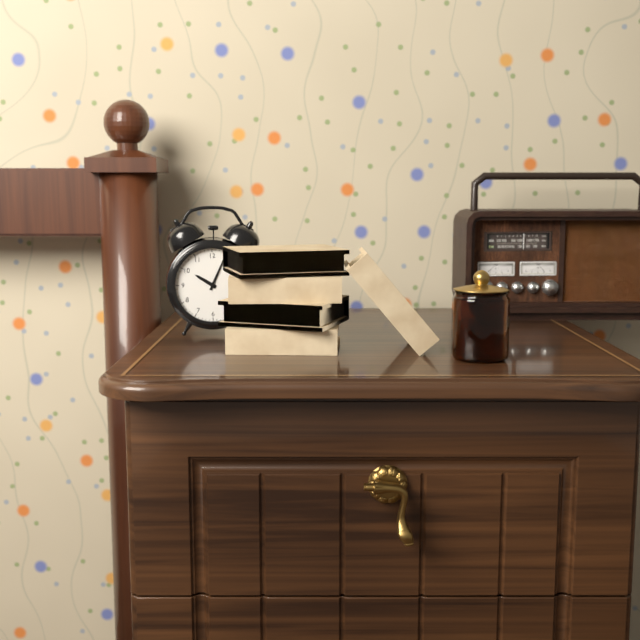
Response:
10.04
